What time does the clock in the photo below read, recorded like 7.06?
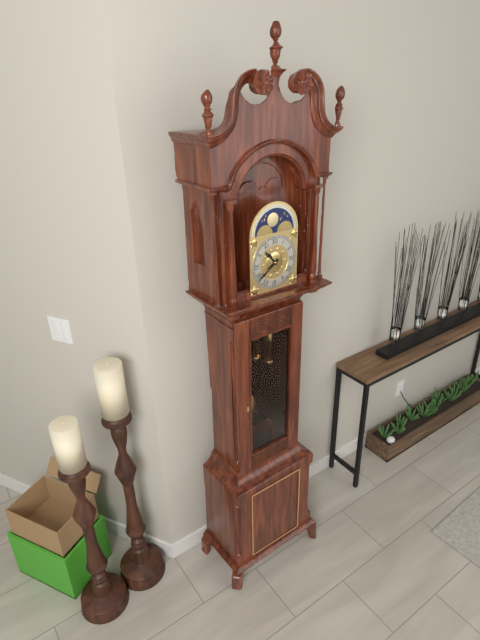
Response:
10.39
